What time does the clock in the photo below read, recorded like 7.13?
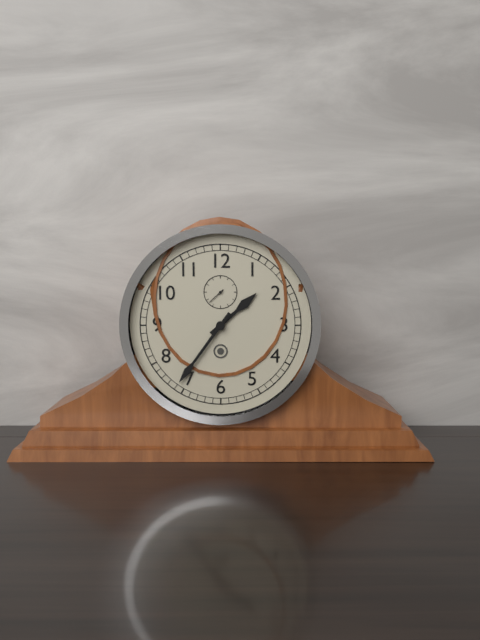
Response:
1.36
